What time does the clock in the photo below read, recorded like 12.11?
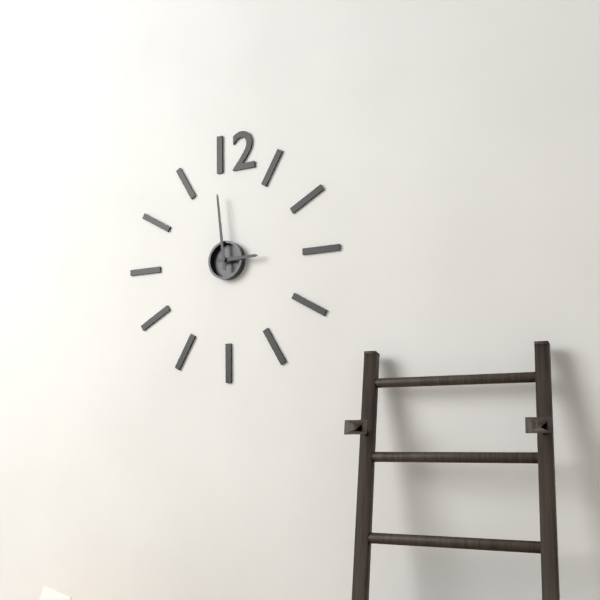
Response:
2.59
